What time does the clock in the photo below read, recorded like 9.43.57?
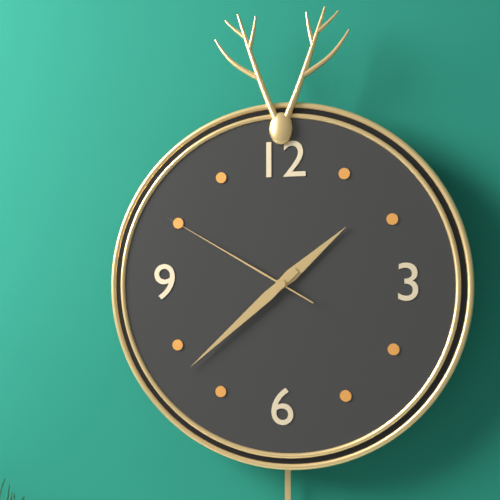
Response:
1.38.50
